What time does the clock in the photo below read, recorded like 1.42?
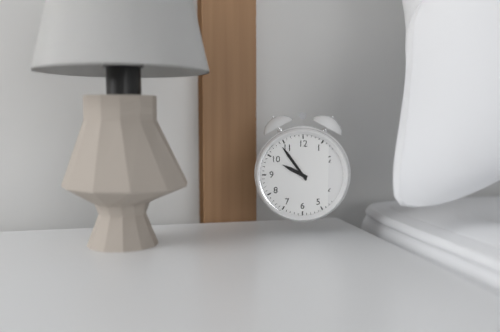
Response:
9.54
